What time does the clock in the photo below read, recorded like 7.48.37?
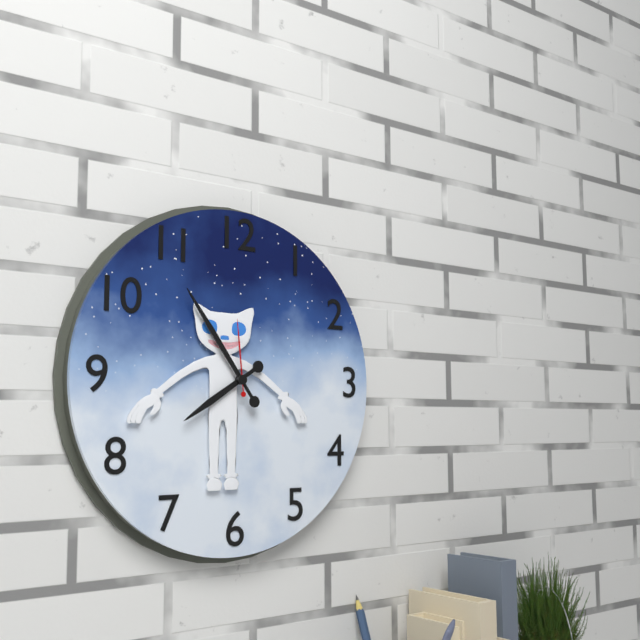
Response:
7.54.59
